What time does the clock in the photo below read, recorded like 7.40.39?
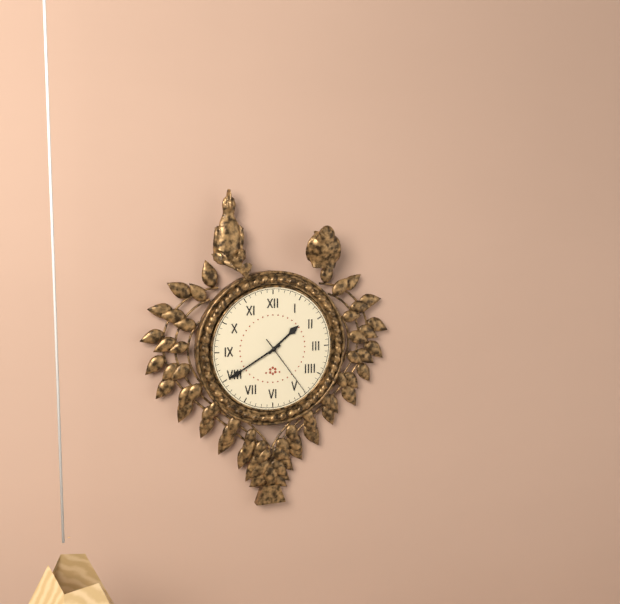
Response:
1.40.24
